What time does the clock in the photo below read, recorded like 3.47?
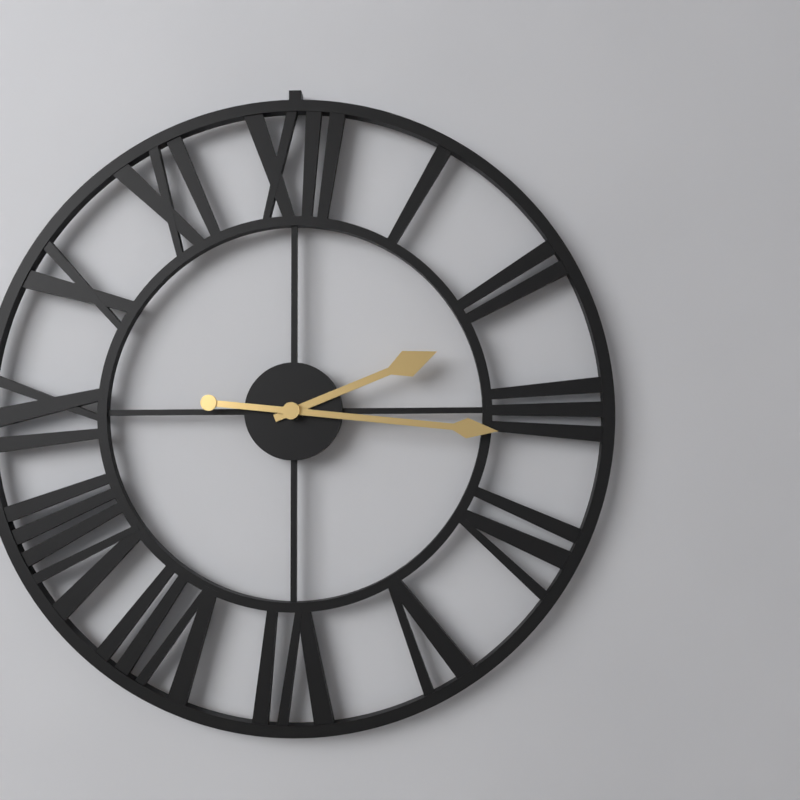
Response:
2.16
